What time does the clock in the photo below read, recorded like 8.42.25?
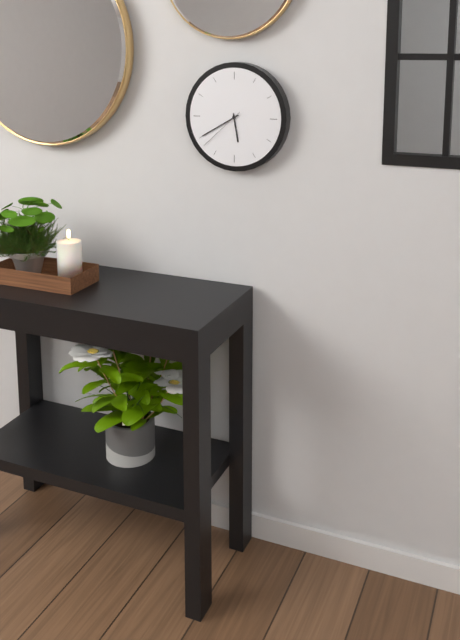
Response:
5.40.38
